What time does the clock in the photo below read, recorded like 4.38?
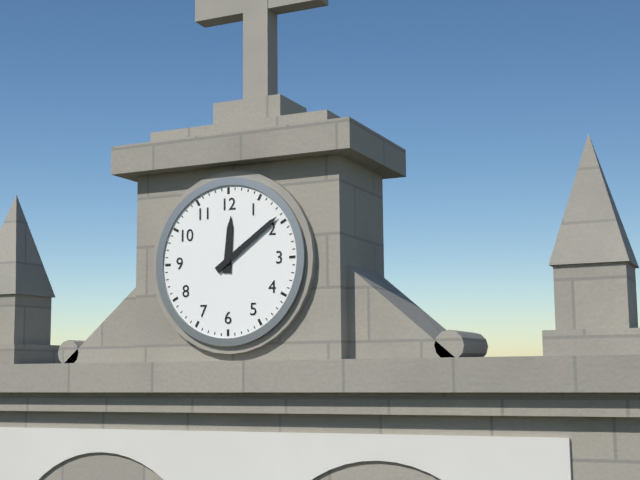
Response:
12.09
